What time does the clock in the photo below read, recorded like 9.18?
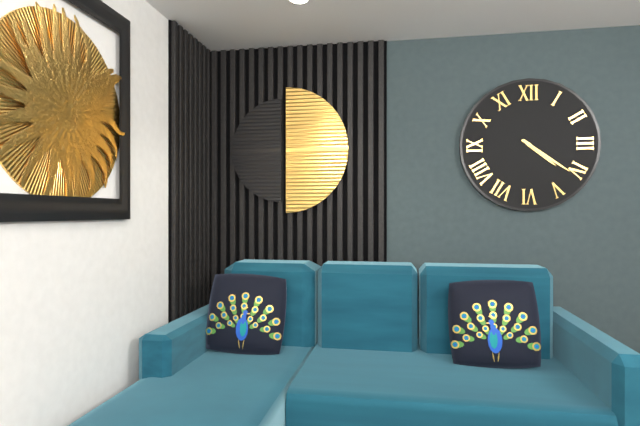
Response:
4.21
